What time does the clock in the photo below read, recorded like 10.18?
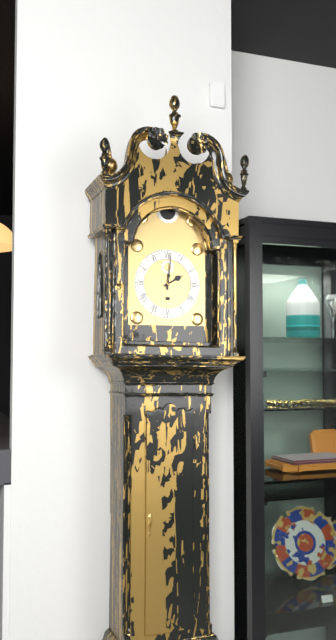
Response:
2.01
